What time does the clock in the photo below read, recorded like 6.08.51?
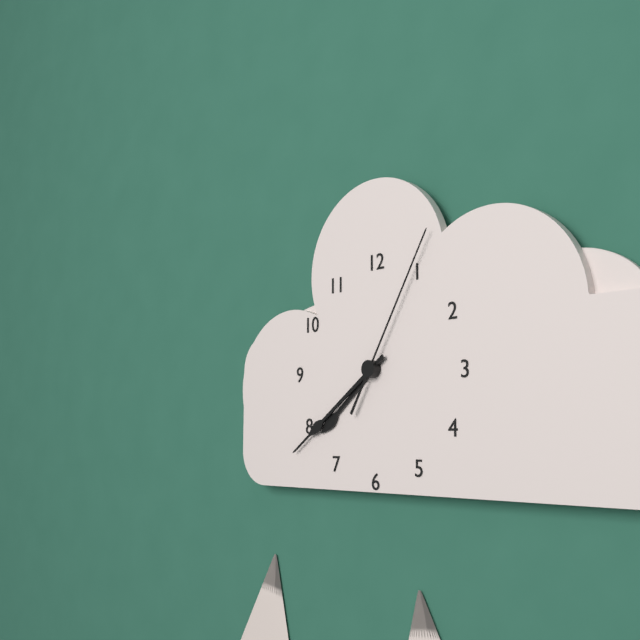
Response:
7.39.05
